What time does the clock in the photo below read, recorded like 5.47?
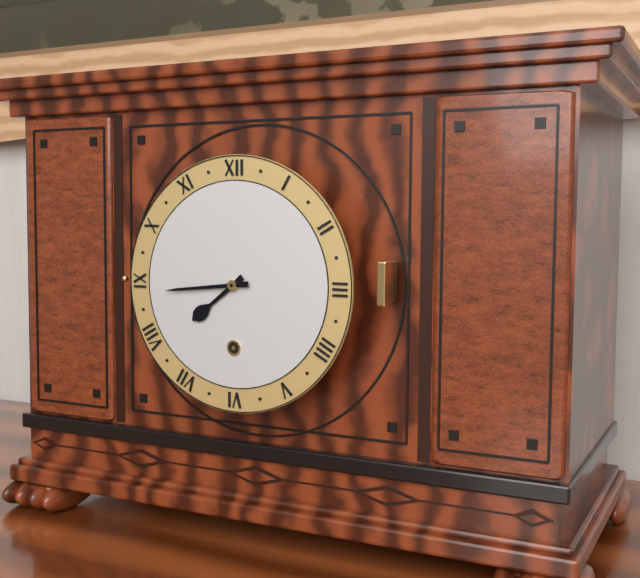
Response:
7.44
